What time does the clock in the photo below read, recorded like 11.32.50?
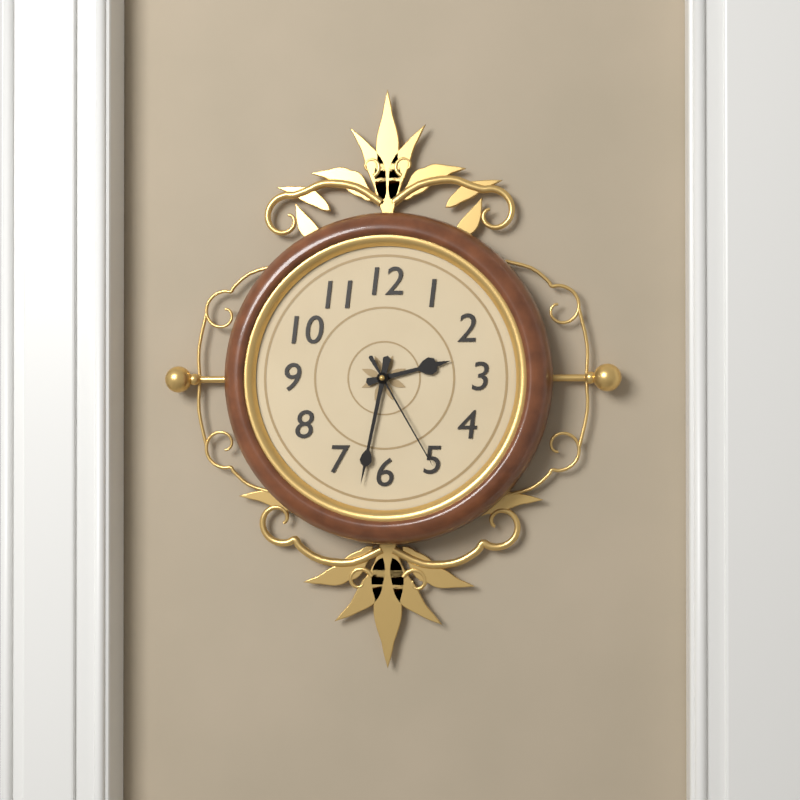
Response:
2.32.25
